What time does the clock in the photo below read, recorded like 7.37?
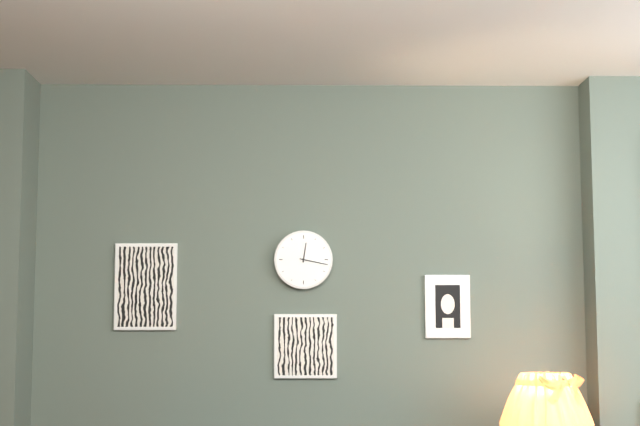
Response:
12.17
